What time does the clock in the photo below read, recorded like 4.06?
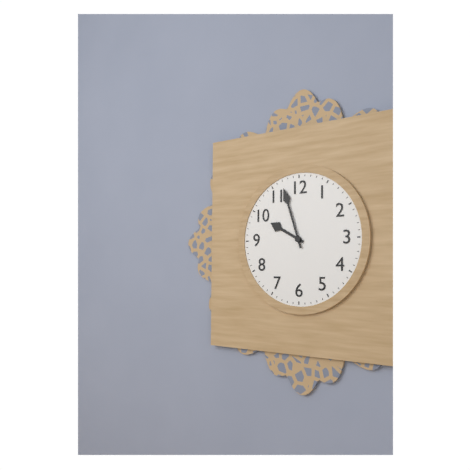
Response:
9.57
